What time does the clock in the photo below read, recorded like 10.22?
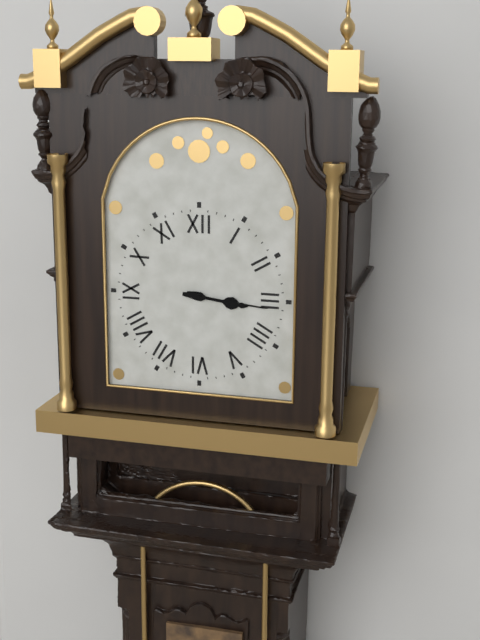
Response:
3.16
